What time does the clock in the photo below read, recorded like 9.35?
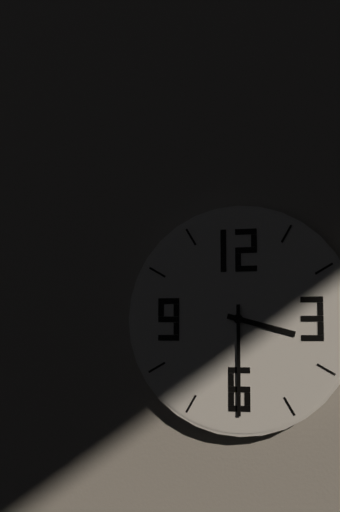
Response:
3.30
